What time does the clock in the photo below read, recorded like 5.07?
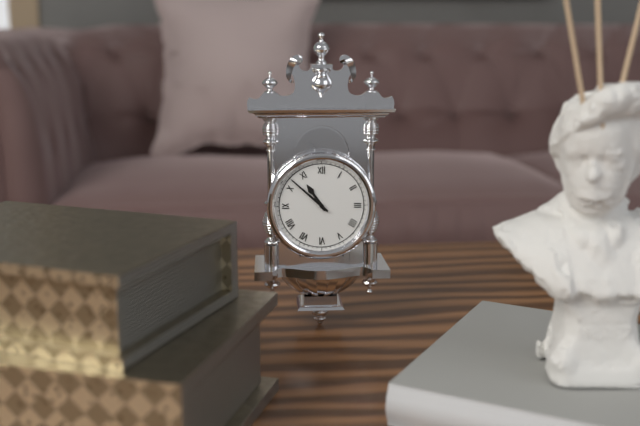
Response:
10.52
